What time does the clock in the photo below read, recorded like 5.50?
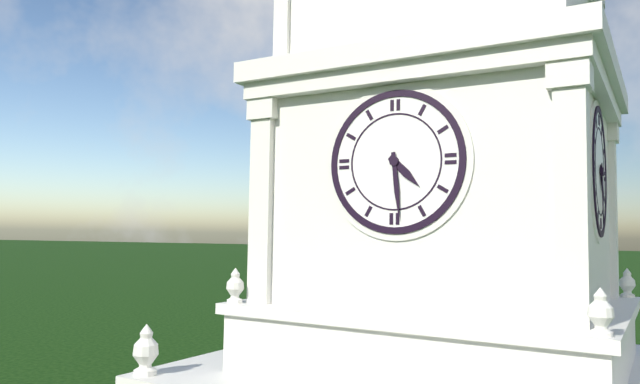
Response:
4.29
